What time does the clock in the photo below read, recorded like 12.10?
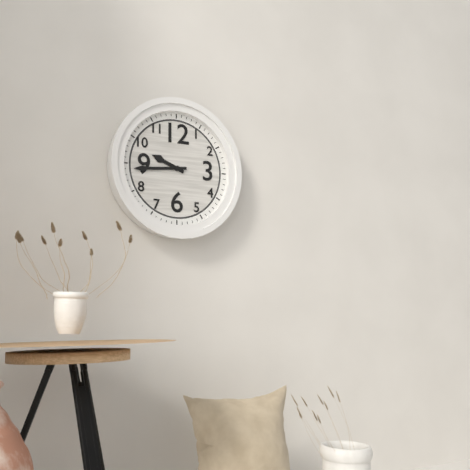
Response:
9.44
